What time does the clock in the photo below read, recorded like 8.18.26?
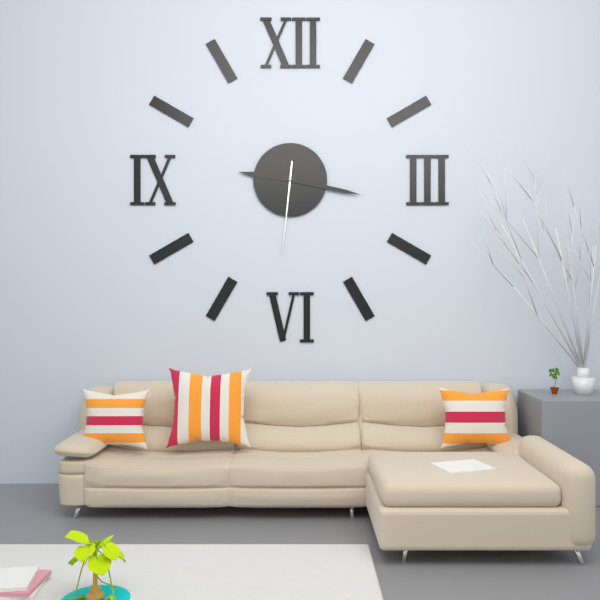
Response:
9.17.31
